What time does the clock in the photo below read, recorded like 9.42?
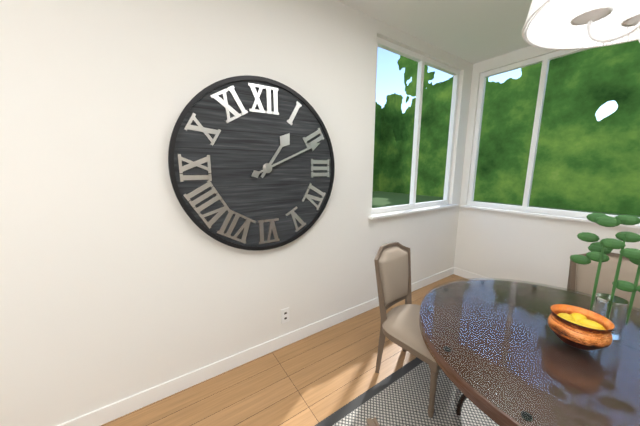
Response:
1.11
